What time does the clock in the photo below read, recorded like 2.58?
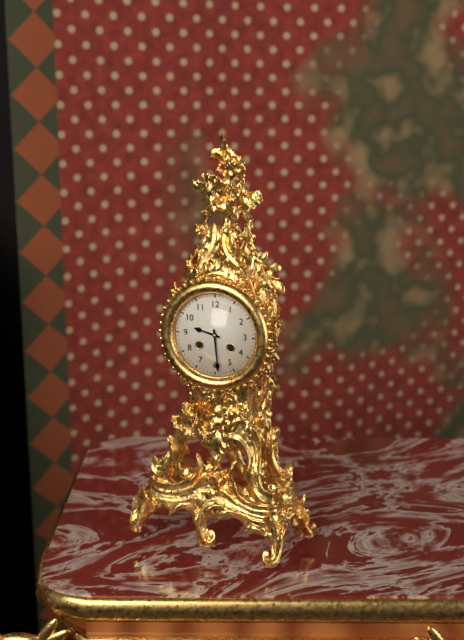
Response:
9.29
